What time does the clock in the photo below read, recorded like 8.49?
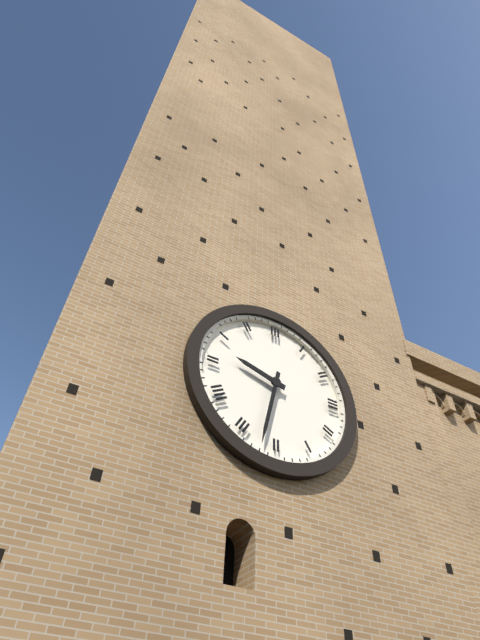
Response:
9.32
